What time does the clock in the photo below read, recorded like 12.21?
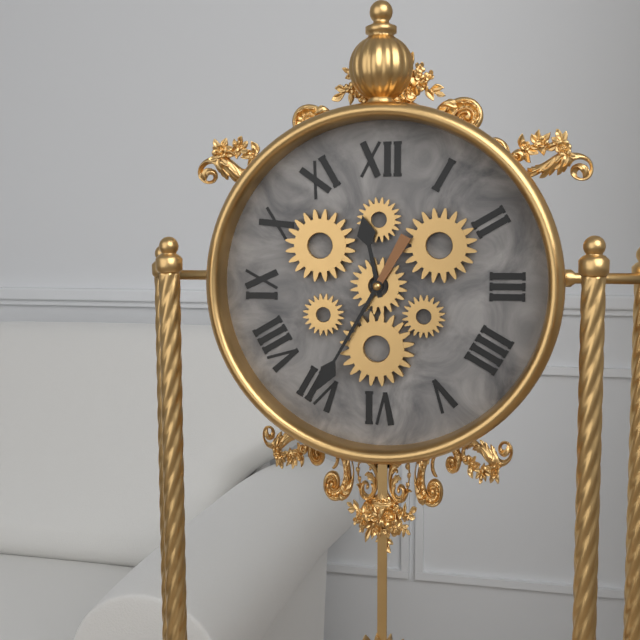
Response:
11.35
